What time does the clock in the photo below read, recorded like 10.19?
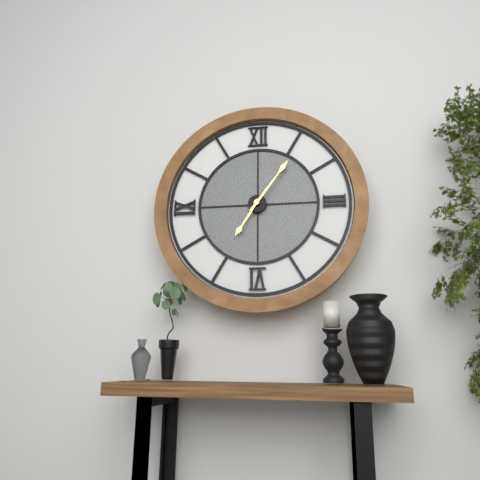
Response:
7.06
